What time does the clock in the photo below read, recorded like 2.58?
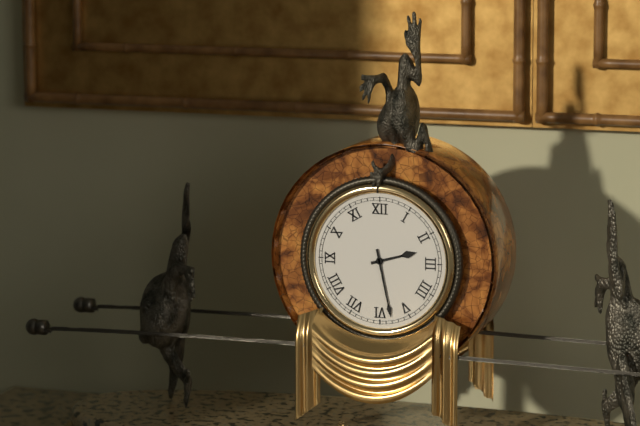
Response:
2.28
